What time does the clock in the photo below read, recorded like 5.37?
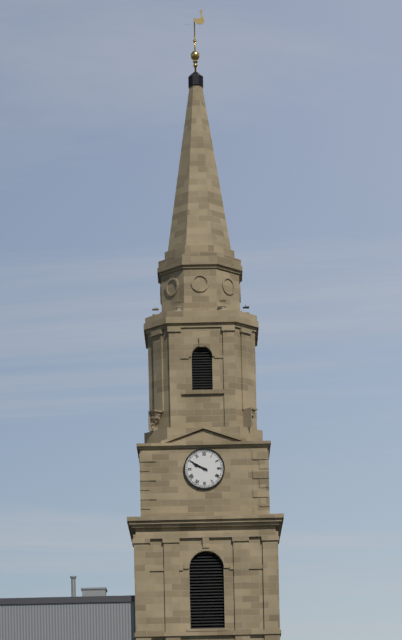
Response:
9.50
